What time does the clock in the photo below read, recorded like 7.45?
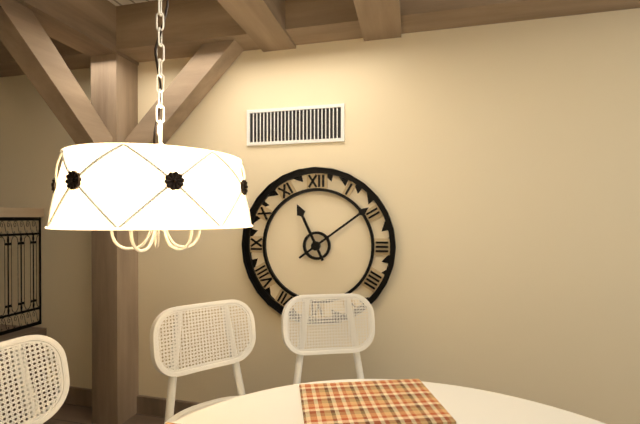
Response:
11.09
